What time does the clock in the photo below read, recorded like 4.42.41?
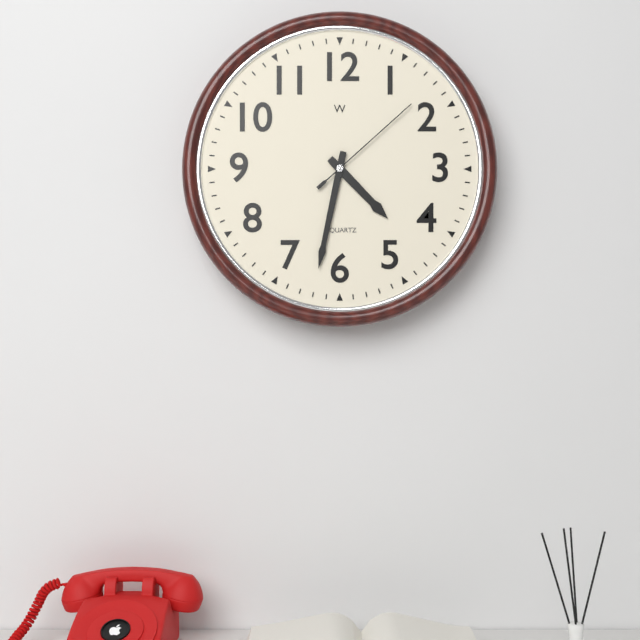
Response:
4.32.08
